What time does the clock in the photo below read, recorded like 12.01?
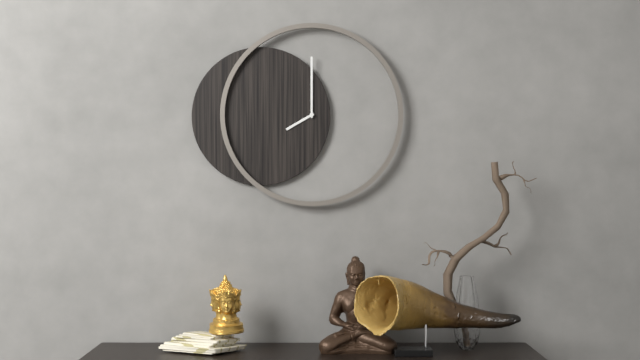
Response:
8.00
